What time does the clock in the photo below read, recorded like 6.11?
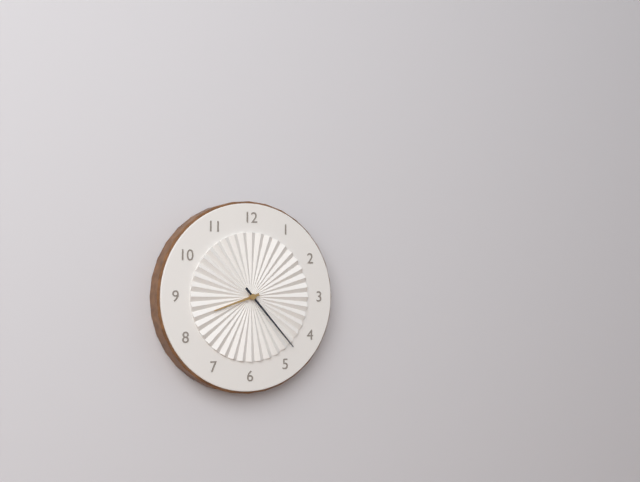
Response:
8.23
